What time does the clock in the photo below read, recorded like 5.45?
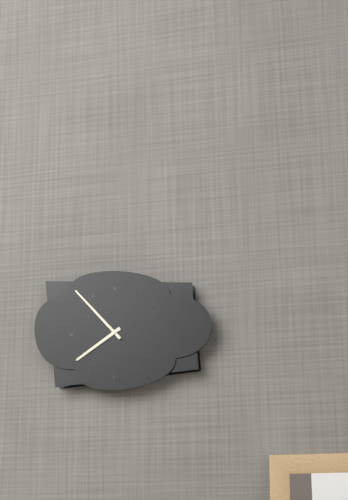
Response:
7.53
